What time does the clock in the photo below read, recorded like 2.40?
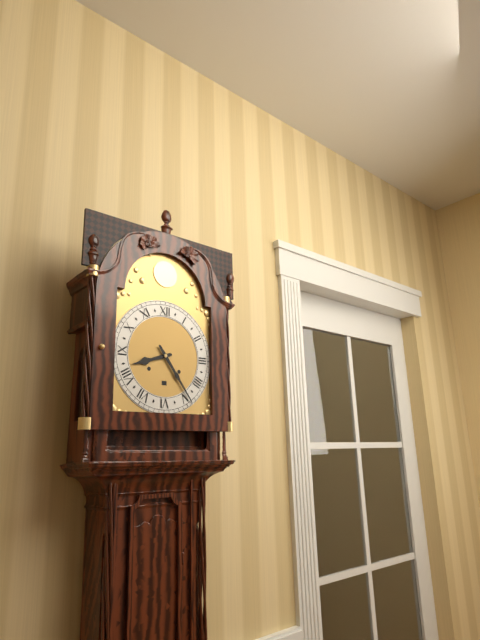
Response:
8.24
